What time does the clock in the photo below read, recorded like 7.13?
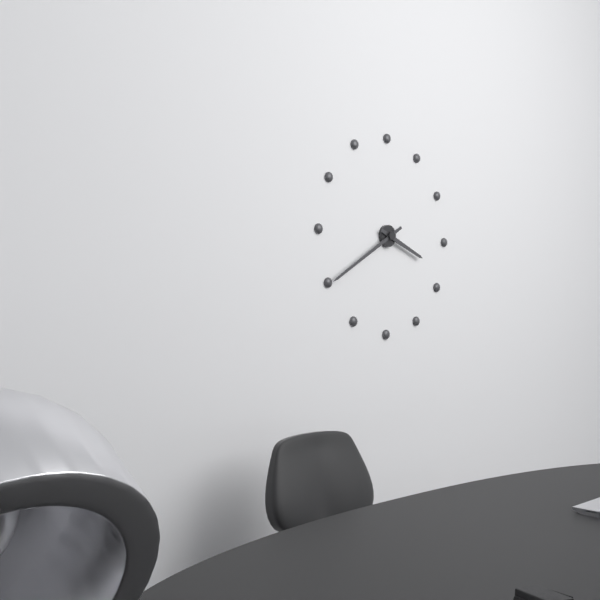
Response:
3.40
